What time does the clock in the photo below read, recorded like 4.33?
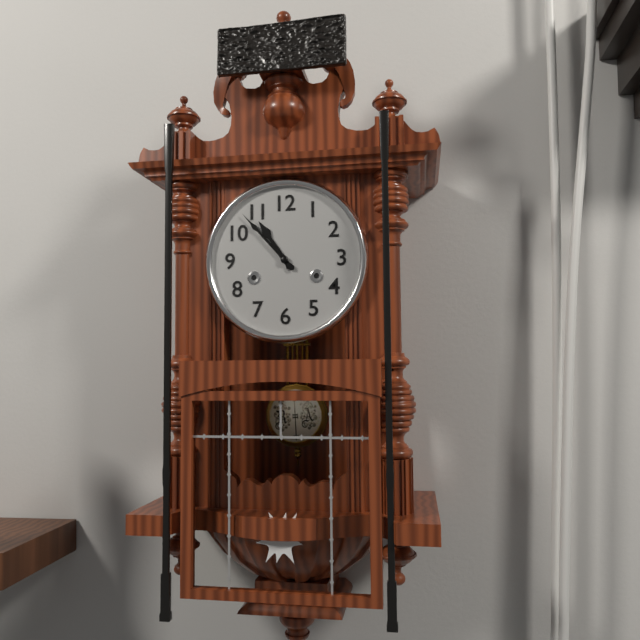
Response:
10.53
